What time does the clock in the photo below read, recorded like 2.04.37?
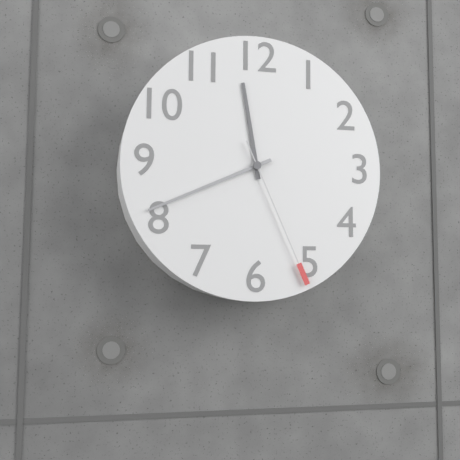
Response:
11.41.26
